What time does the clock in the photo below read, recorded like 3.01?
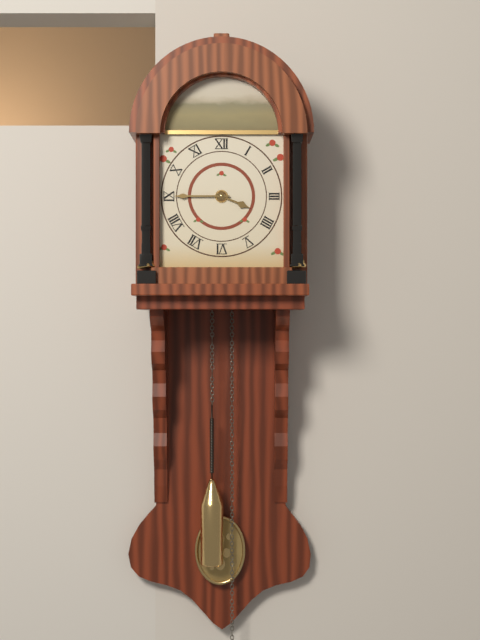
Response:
3.45
